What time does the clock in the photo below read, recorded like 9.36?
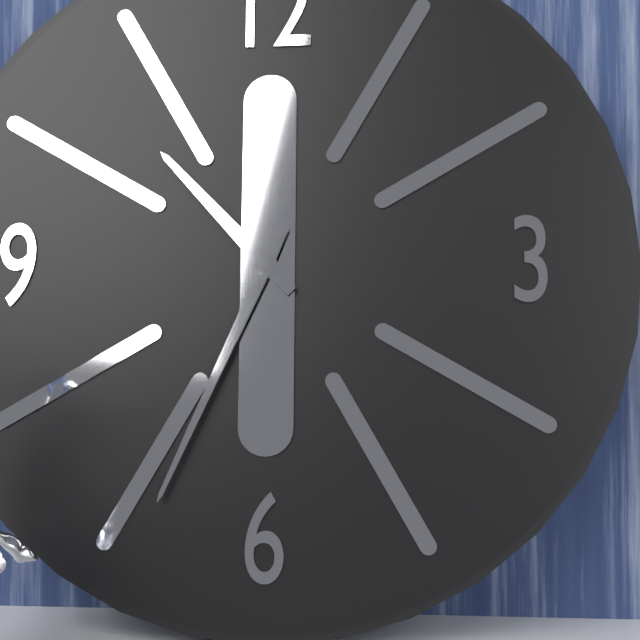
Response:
10.34
